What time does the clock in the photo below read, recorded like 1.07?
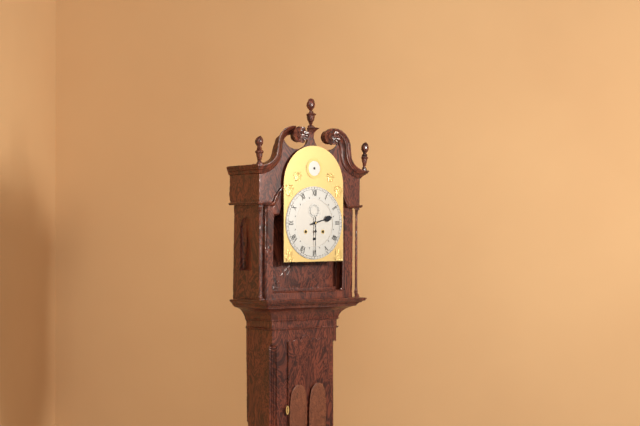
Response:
2.30
